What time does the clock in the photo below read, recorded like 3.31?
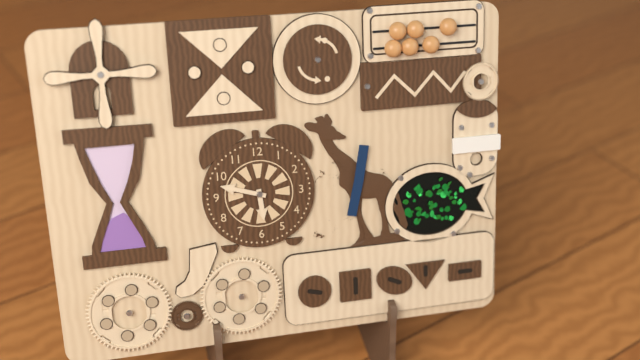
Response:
5.48
